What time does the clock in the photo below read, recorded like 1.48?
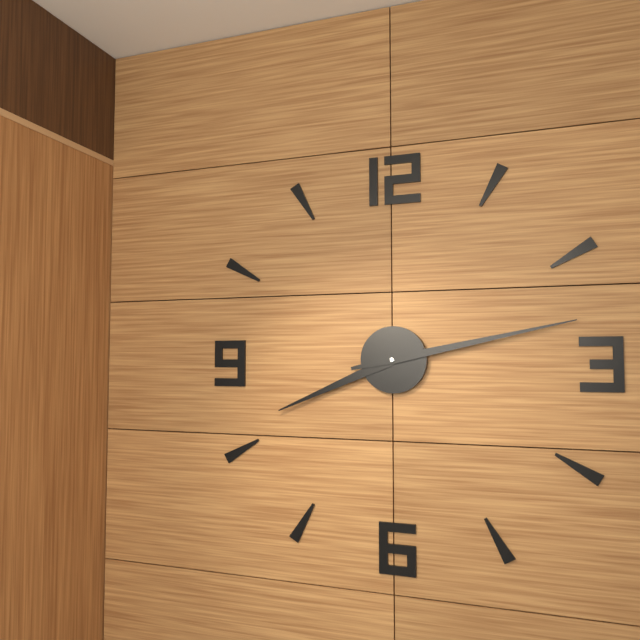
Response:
8.13
